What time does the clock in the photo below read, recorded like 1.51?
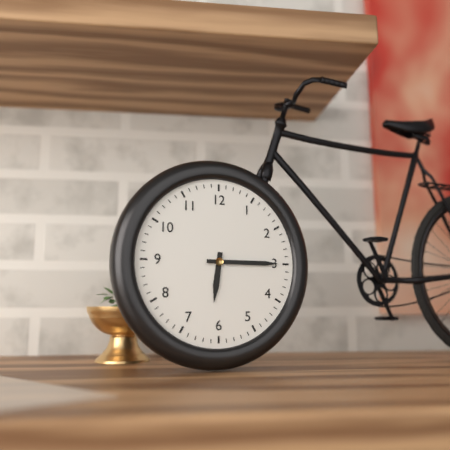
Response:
6.15
